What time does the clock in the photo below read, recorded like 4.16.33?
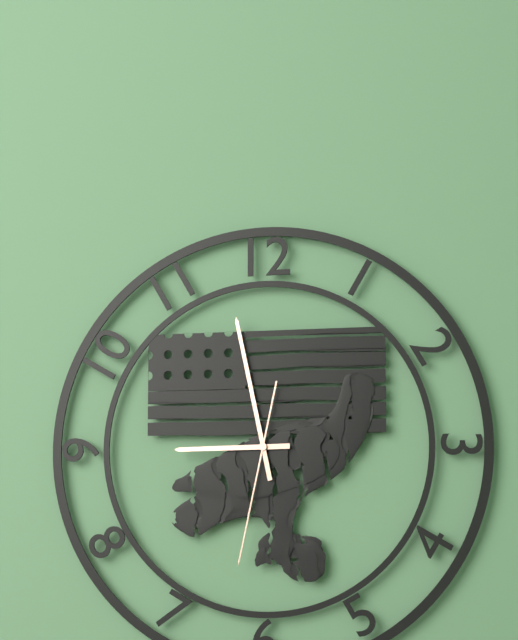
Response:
8.58.32
